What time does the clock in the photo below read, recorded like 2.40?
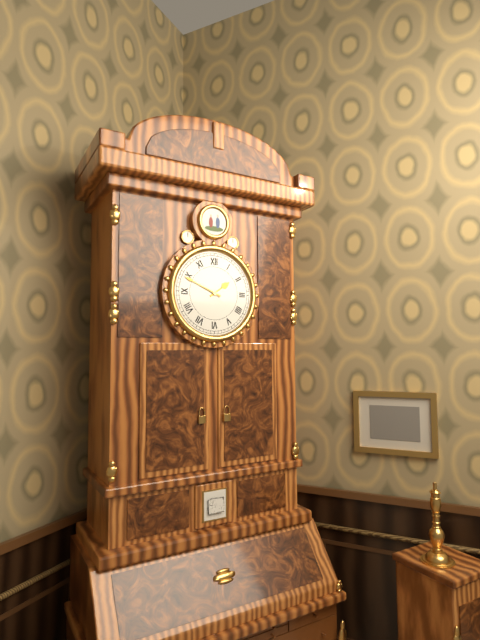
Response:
1.49
